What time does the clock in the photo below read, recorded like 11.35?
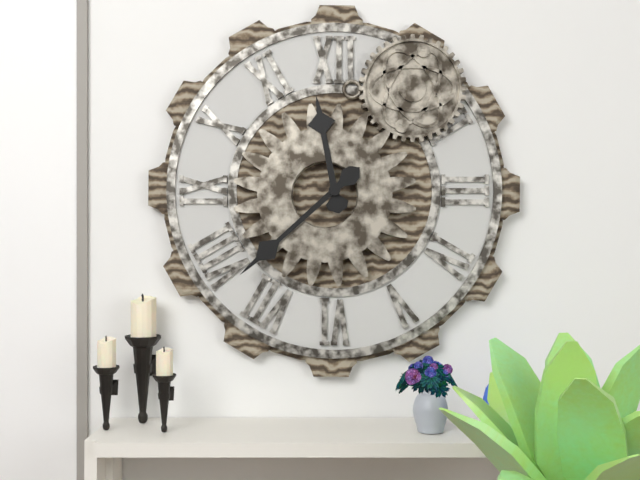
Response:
11.38
